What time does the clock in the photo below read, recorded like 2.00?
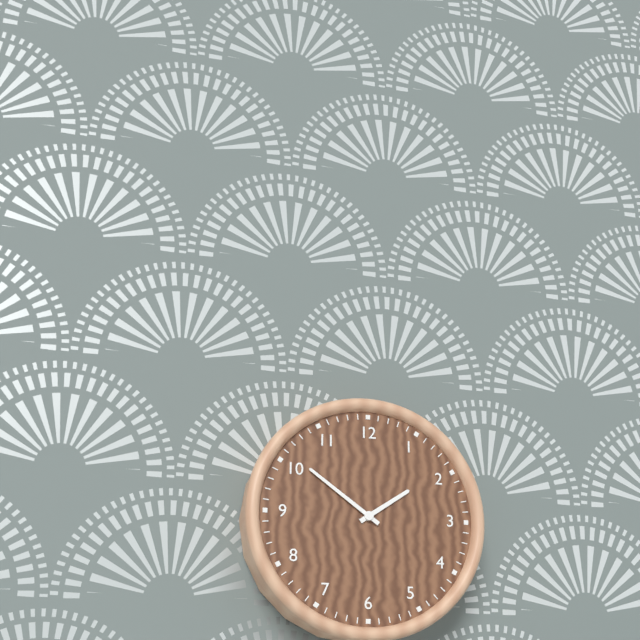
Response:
1.51
